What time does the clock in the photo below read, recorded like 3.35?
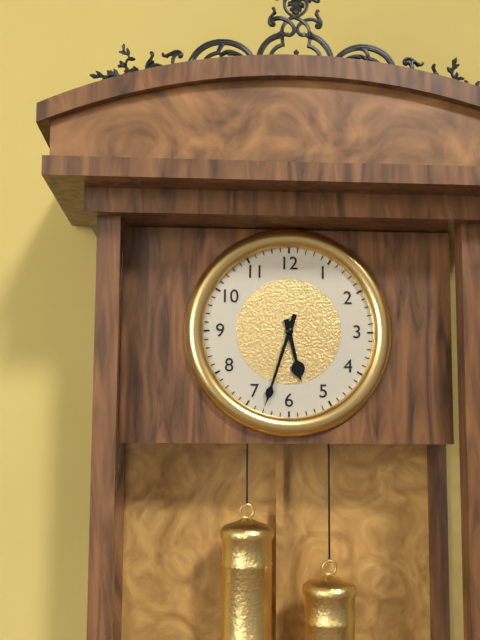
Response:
5.33
